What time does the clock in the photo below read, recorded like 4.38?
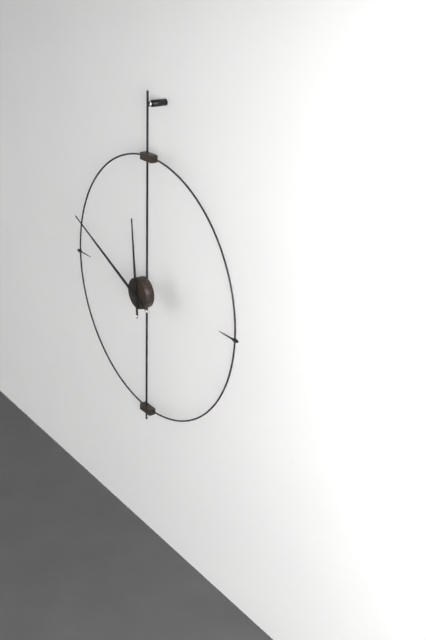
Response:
11.49
